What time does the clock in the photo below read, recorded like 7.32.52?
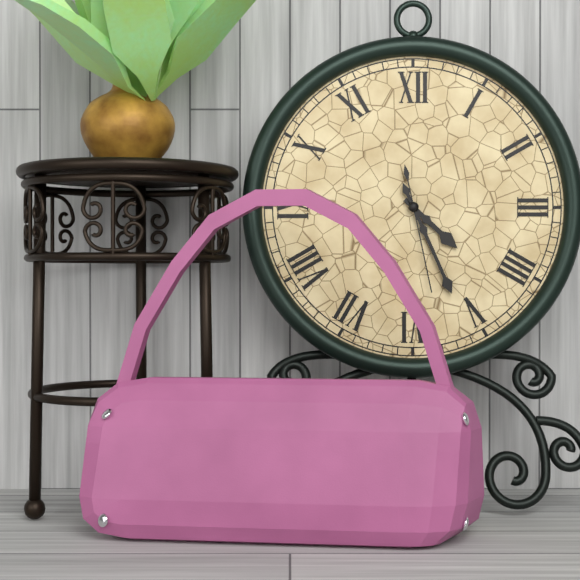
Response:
4.26.28
